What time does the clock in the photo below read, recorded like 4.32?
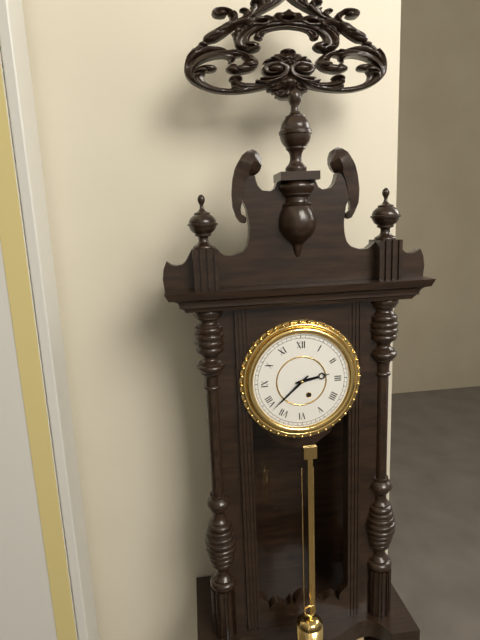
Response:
2.38
